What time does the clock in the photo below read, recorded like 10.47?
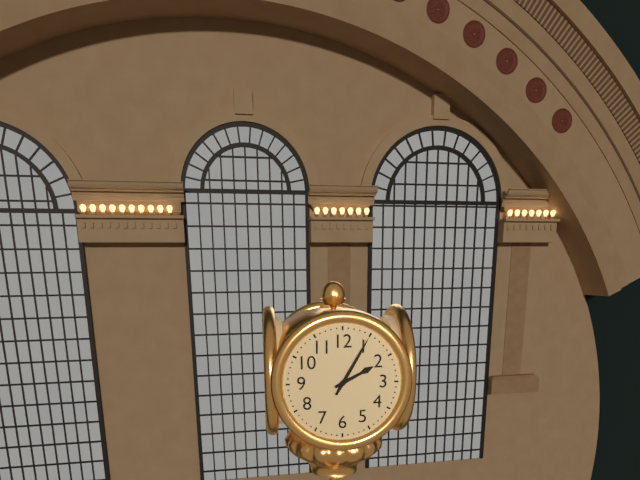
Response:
2.05
